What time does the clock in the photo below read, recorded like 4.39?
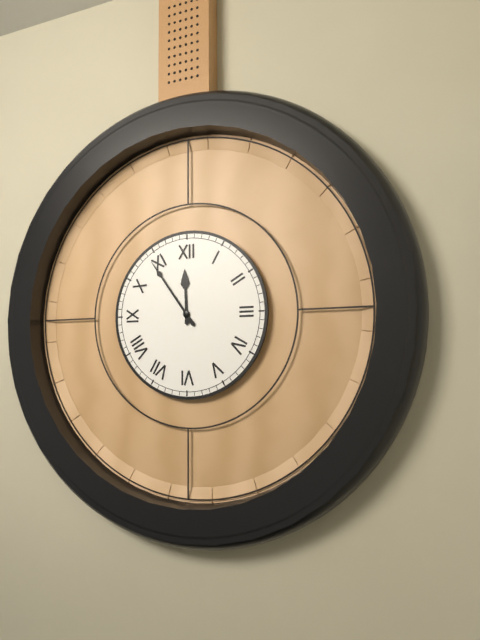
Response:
11.54
